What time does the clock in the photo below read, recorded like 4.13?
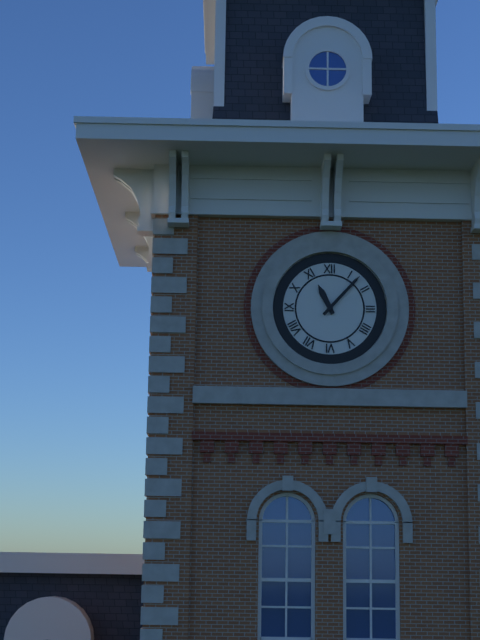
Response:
11.07
